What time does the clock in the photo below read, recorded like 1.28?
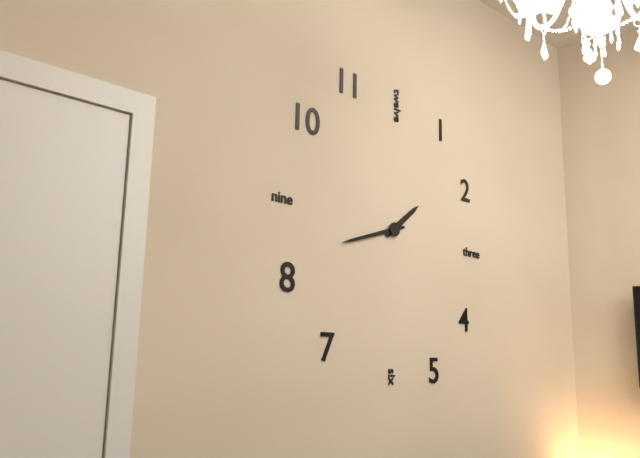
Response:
1.42
